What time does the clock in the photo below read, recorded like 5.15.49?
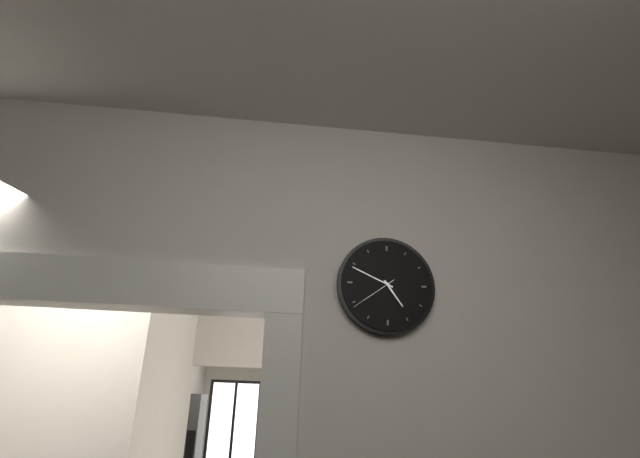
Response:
4.49.39
